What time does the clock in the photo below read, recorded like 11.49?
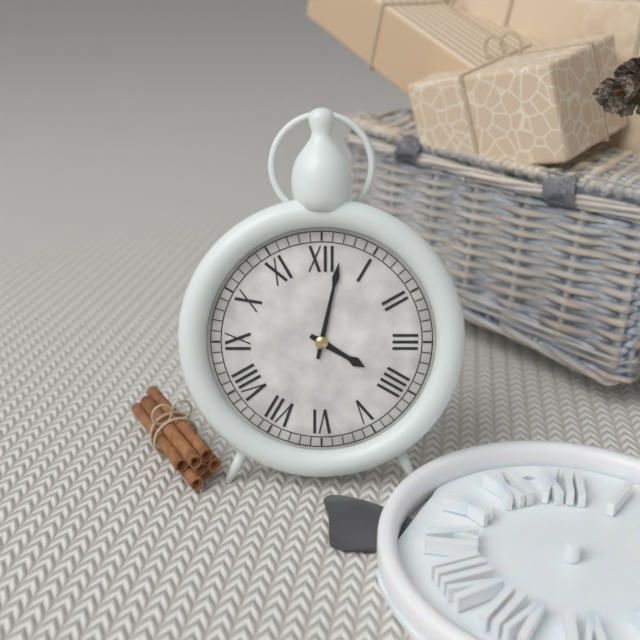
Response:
4.02
